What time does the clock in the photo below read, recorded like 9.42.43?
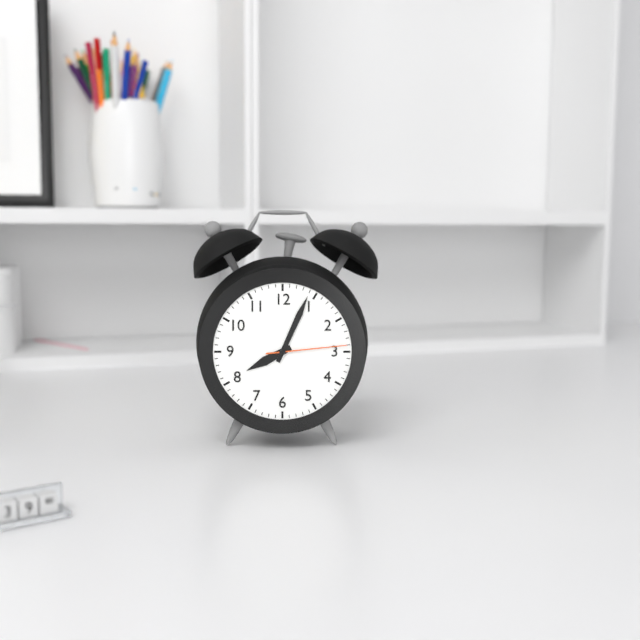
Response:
8.04.14
